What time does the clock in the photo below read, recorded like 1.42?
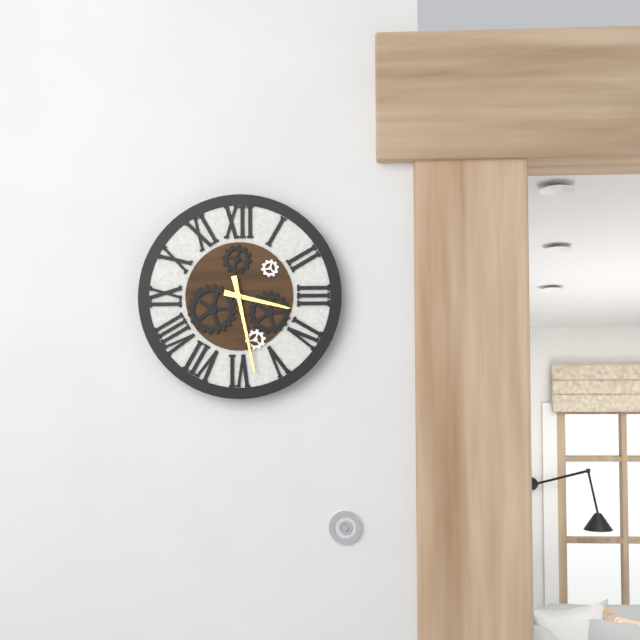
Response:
3.28
